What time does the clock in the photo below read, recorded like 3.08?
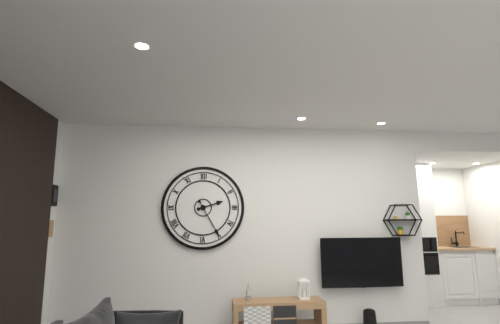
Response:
2.25
